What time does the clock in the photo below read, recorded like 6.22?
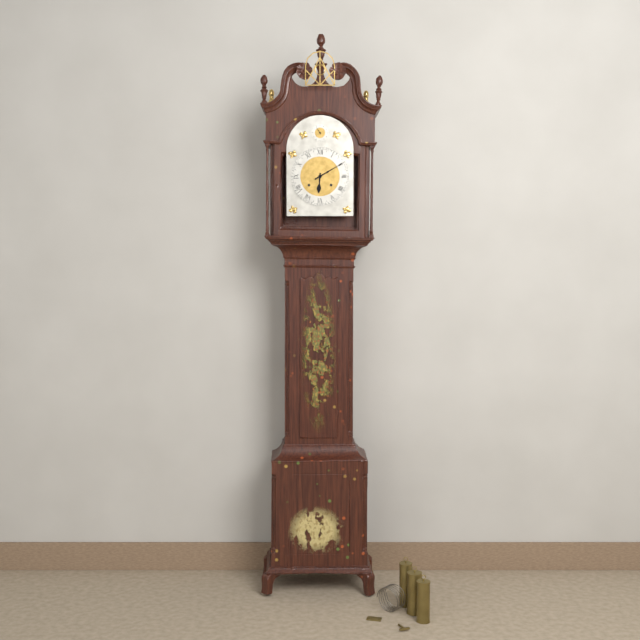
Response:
6.10
